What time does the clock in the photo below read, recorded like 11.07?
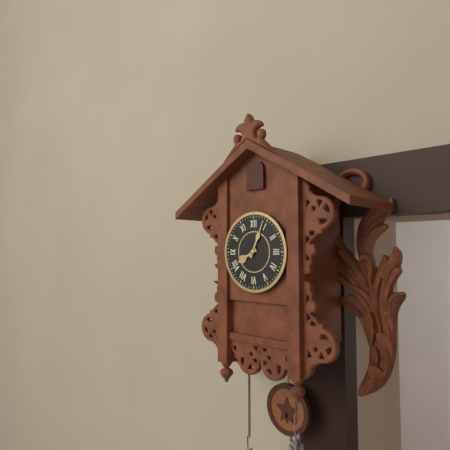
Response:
8.04
